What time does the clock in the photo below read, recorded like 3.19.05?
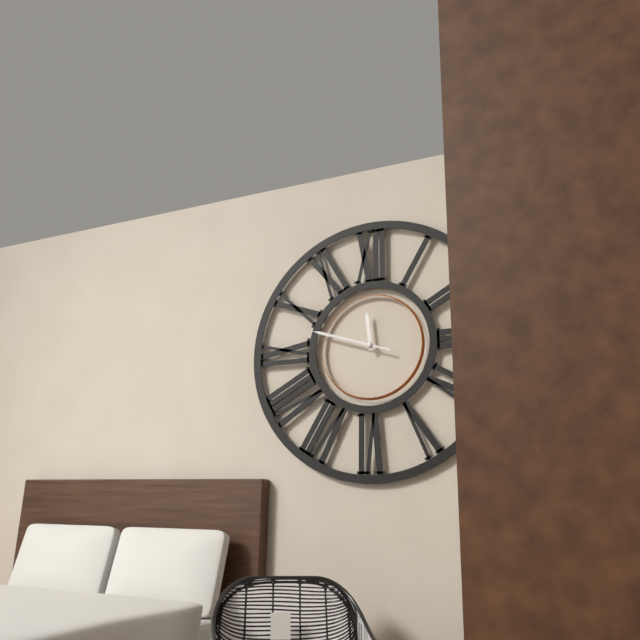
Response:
11.48.48
